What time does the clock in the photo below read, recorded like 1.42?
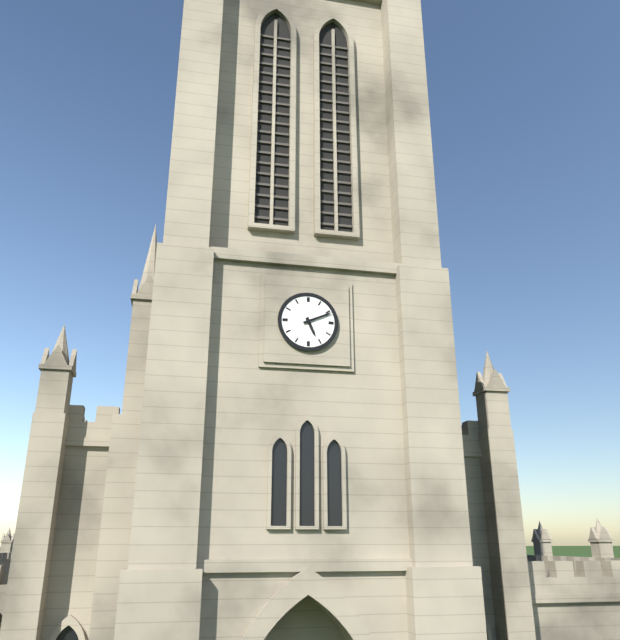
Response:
5.11
